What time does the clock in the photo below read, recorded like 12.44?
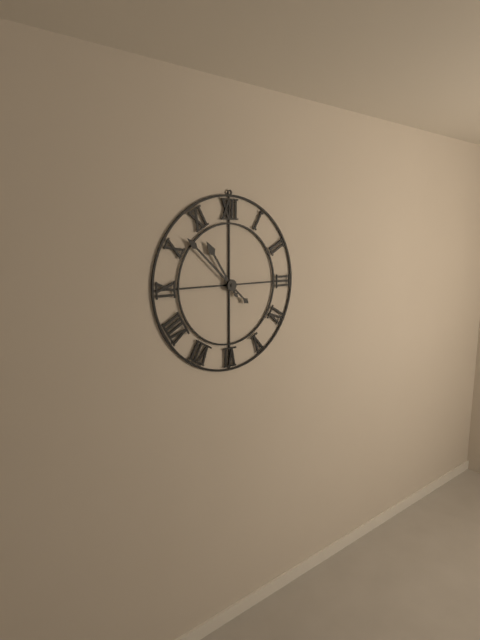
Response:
10.52
